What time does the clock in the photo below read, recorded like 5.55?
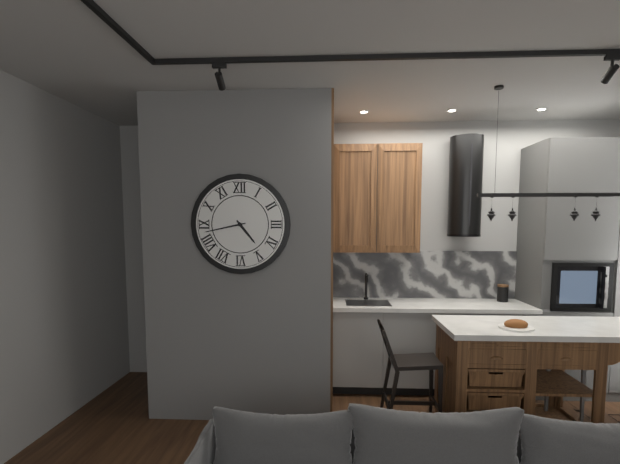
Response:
4.43
